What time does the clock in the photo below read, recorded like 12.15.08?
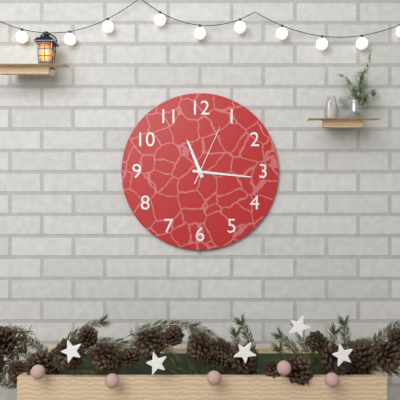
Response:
11.16.04
